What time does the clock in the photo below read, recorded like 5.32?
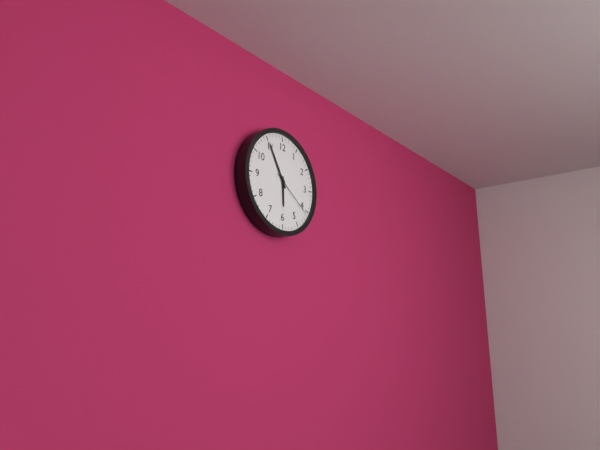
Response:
5.55
